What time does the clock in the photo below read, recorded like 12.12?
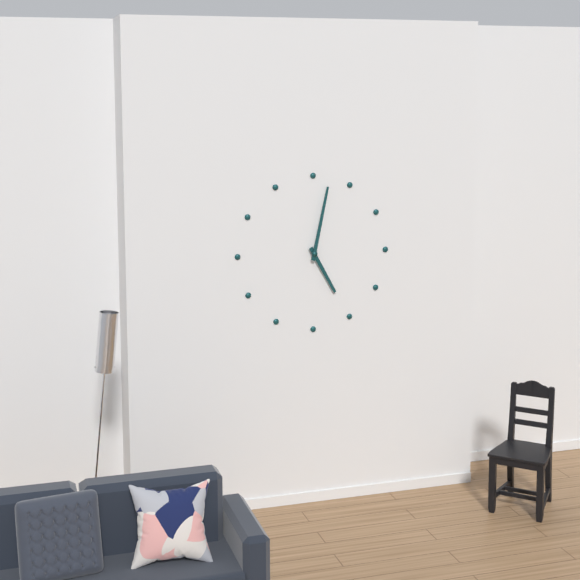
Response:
5.02
